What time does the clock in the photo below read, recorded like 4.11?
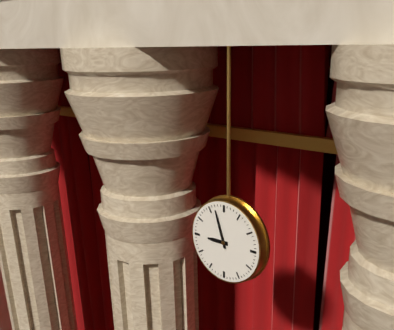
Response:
8.57
